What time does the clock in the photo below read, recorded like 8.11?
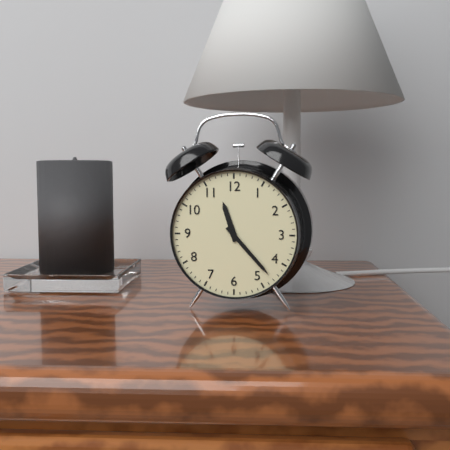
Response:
11.23
